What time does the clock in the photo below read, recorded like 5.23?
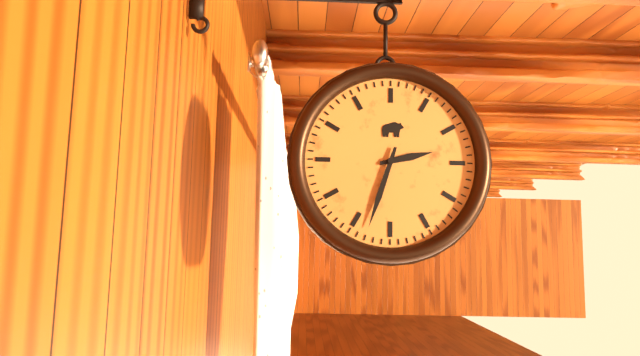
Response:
2.33
